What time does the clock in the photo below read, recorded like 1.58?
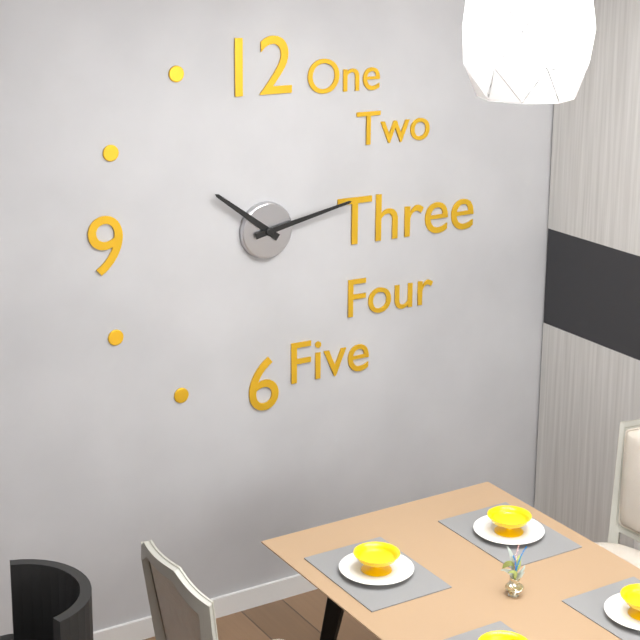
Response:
10.13
